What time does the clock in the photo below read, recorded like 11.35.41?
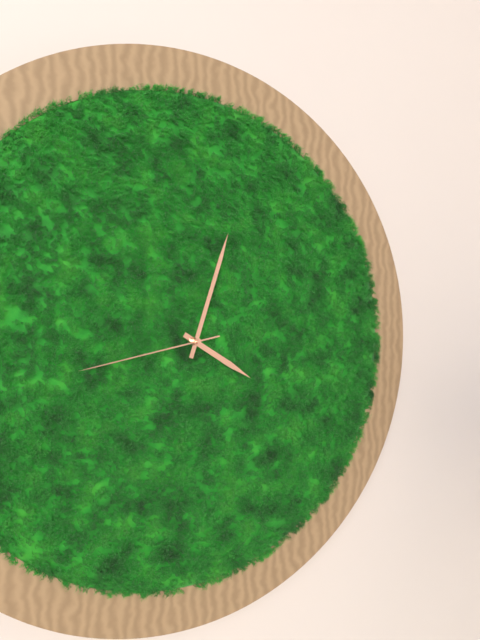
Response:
4.03.43
